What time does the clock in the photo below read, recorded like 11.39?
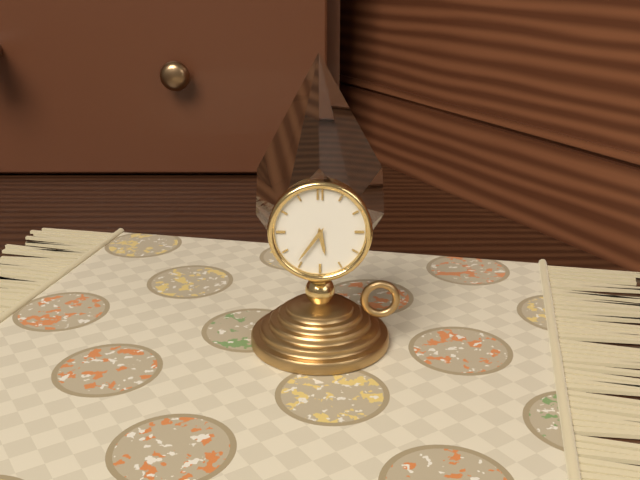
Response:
5.36
